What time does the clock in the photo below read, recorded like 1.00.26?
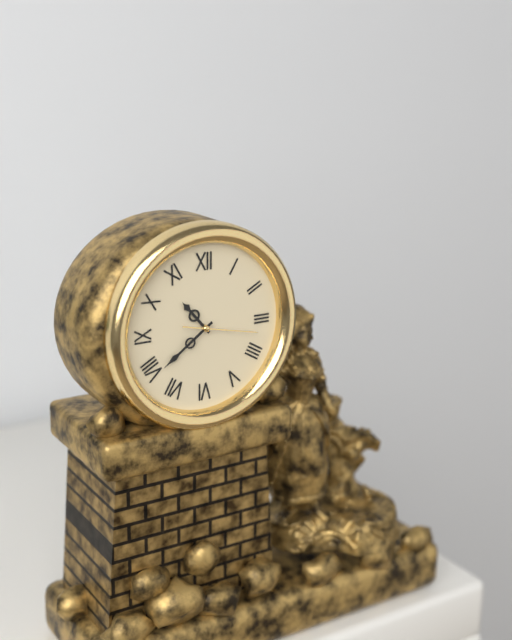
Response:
10.39.17
